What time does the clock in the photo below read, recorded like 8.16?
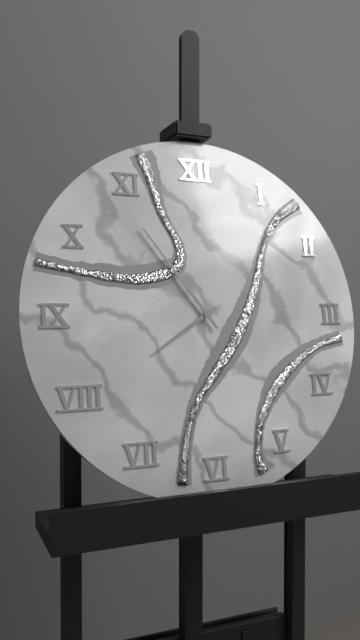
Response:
7.54
